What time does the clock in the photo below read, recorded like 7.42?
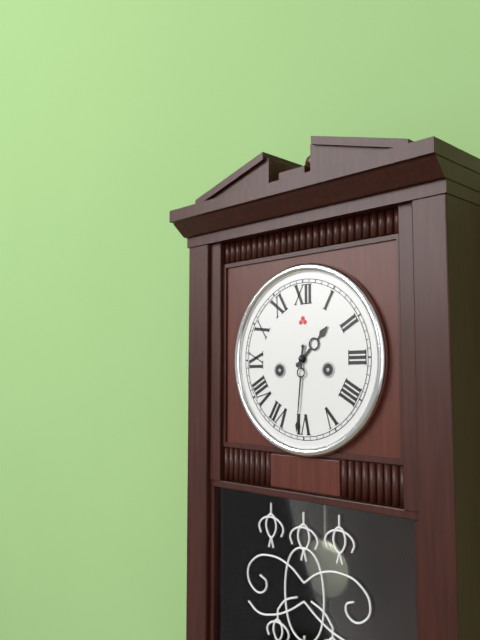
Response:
1.31
